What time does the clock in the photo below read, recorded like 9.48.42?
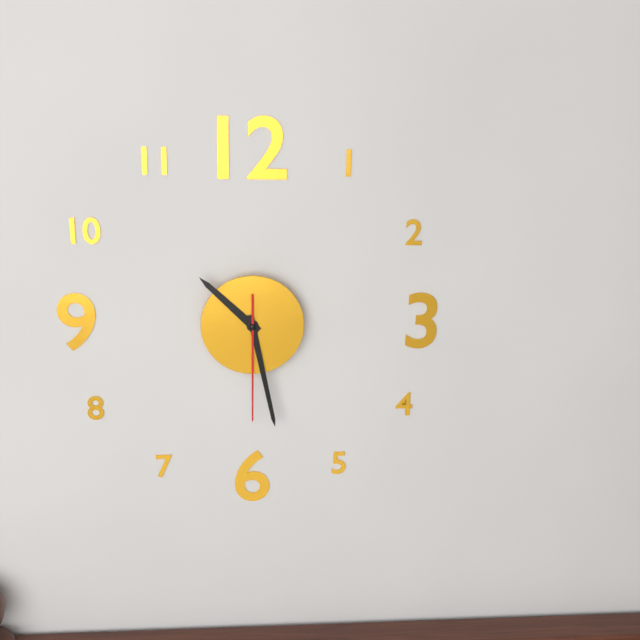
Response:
10.28.30
